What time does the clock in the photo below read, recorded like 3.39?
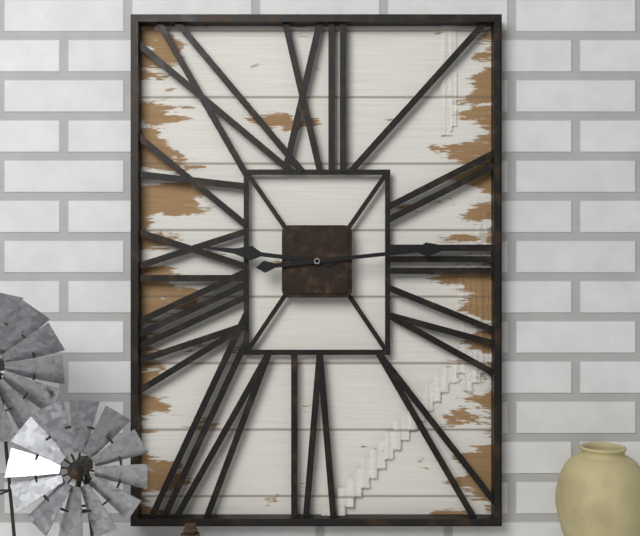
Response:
9.14
